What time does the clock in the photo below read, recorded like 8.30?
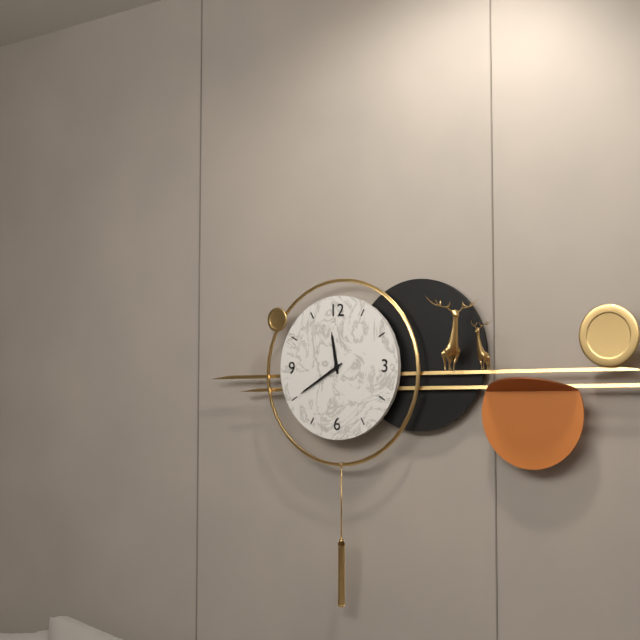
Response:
11.40
